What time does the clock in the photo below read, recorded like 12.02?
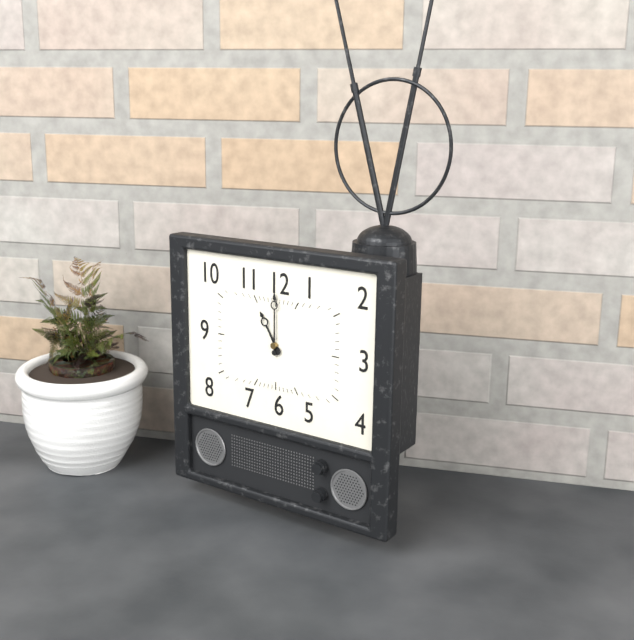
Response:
11.00
